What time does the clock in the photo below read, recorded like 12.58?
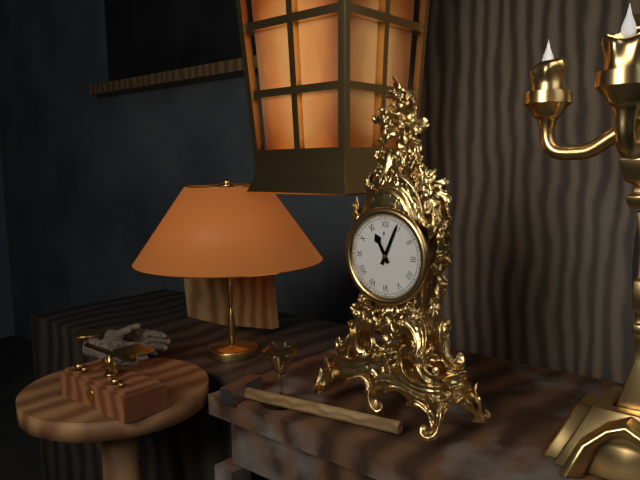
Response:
11.04
